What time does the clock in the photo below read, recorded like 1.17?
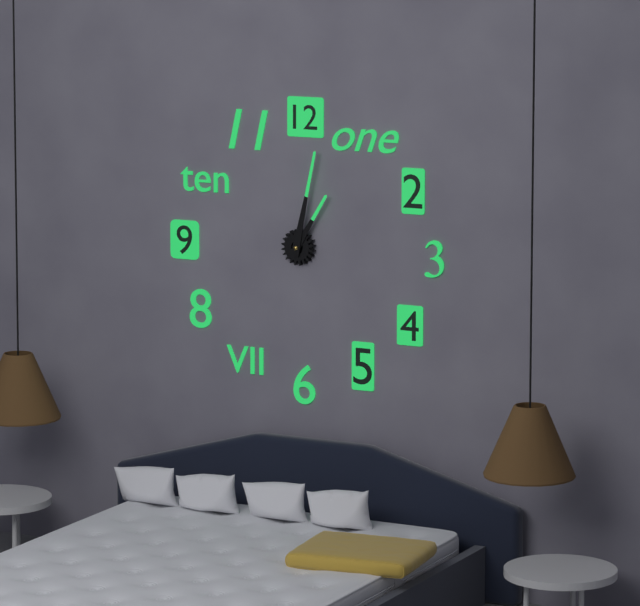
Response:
1.02
